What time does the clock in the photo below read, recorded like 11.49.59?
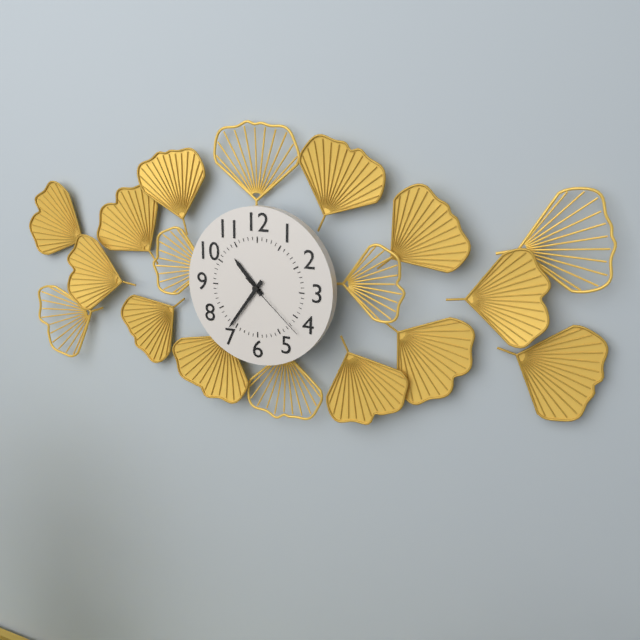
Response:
10.36.22
